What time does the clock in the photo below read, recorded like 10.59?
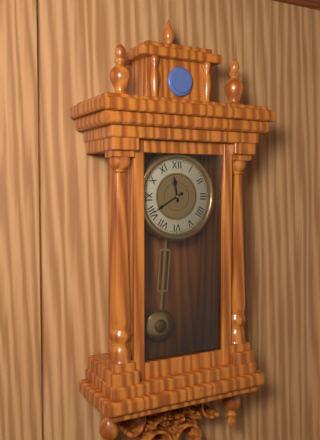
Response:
11.40
